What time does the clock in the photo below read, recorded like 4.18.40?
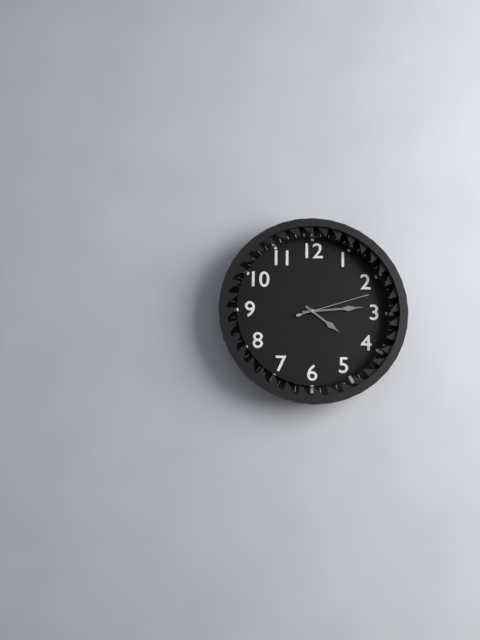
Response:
4.14.12
